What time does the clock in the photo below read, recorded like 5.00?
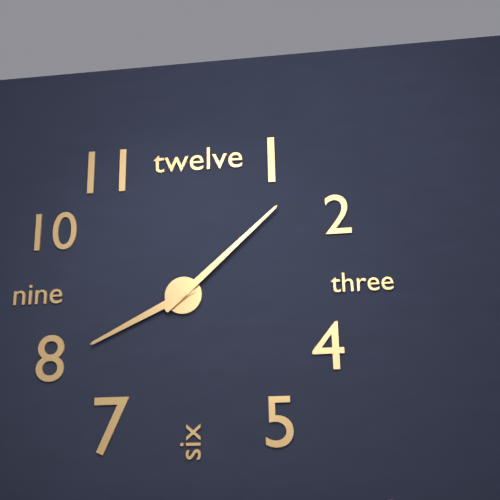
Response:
8.08
